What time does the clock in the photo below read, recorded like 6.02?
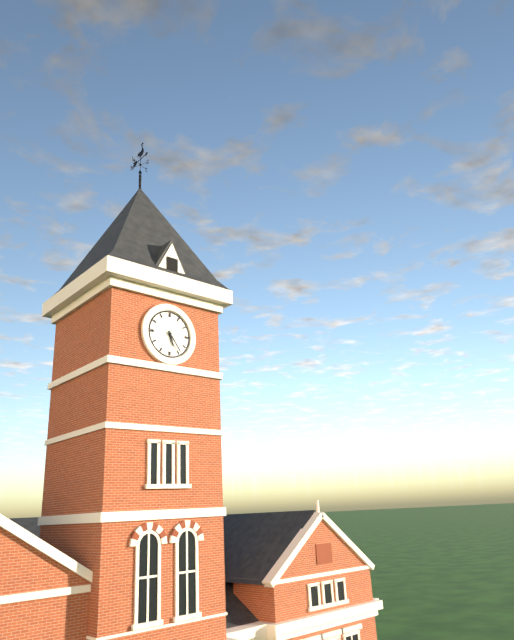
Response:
5.24
